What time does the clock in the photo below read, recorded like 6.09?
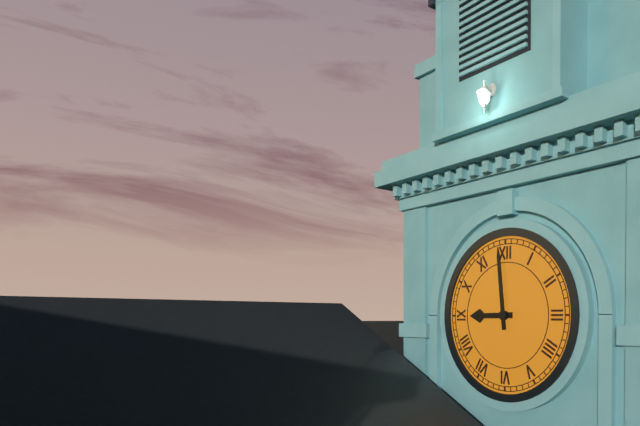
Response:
8.59
